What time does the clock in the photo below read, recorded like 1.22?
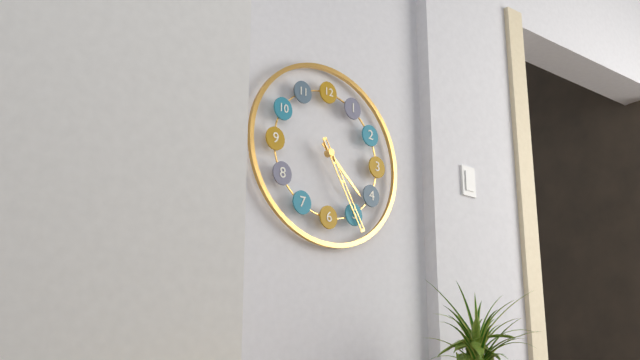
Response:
4.25
